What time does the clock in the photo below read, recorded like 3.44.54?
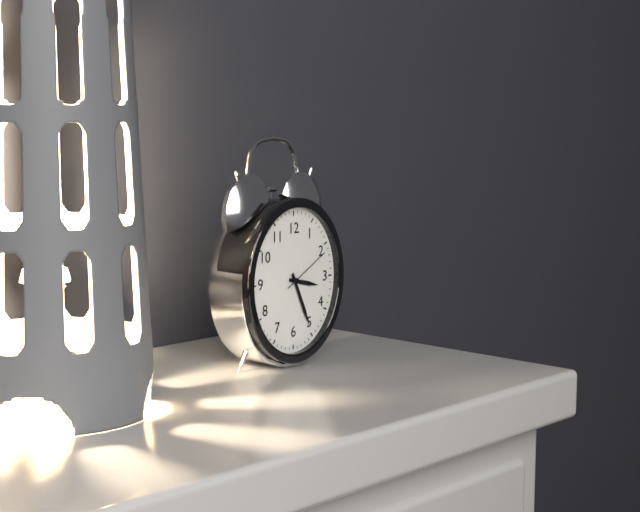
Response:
3.26.10
